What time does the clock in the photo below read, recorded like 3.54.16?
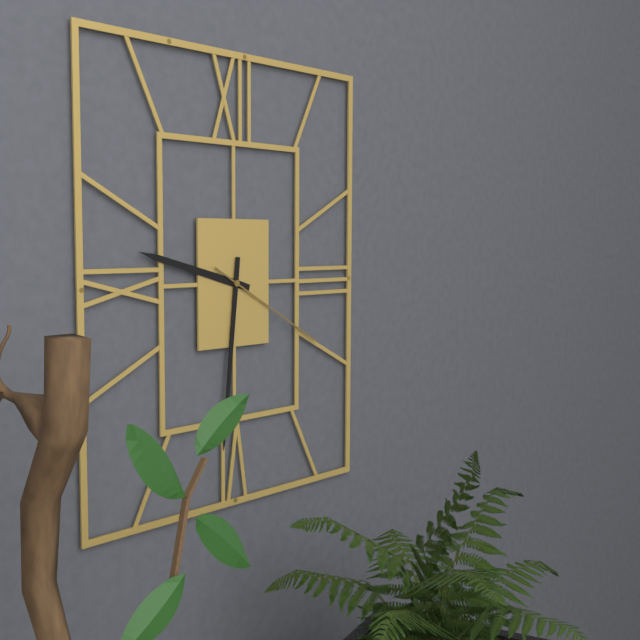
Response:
9.31.20
